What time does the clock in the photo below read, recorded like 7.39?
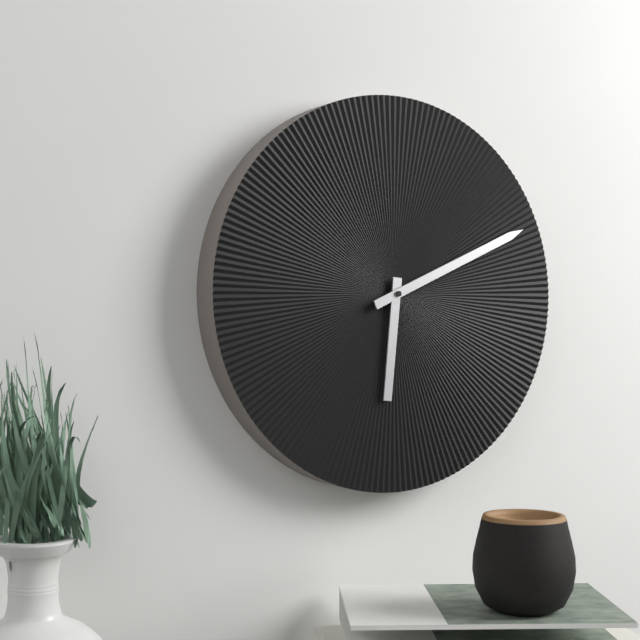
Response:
6.11
